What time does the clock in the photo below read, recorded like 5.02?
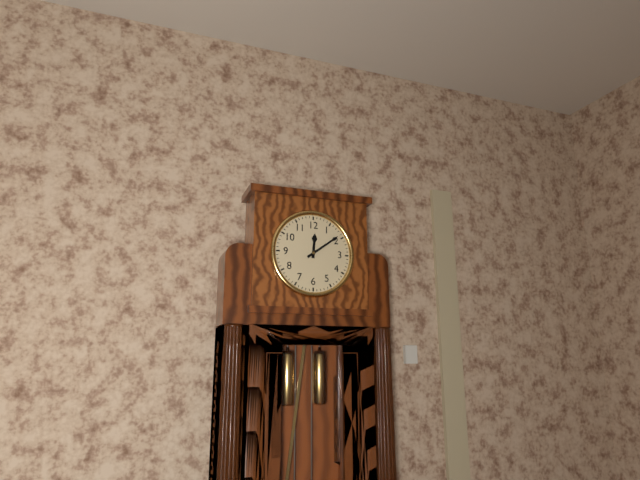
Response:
12.09
